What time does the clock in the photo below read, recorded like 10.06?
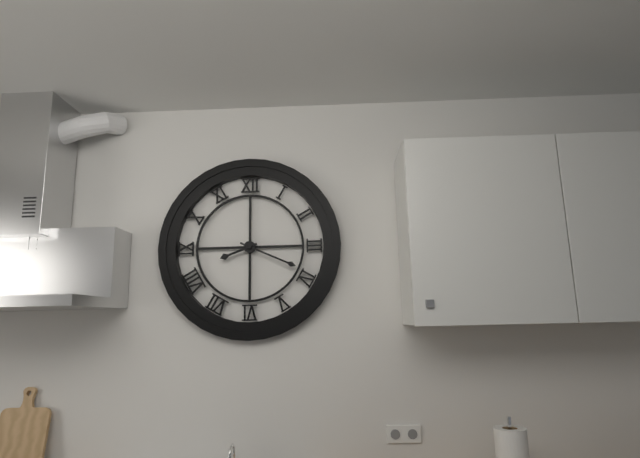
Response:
8.19
